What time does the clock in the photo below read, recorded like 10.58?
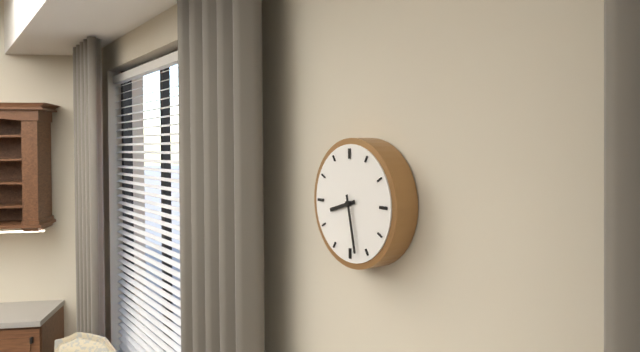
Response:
8.28
